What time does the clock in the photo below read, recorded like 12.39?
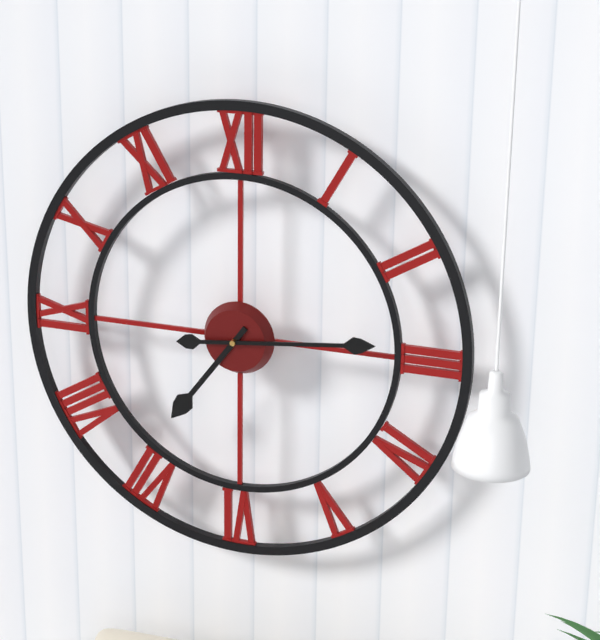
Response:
7.14
